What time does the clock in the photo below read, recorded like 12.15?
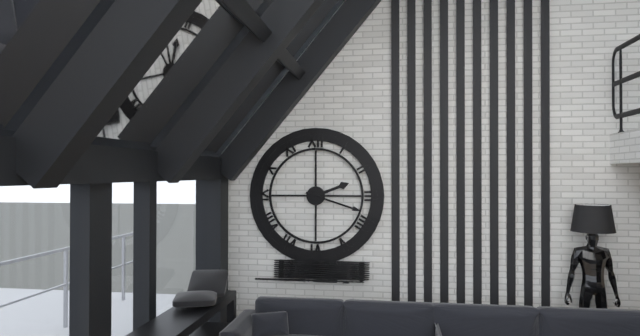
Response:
2.18
